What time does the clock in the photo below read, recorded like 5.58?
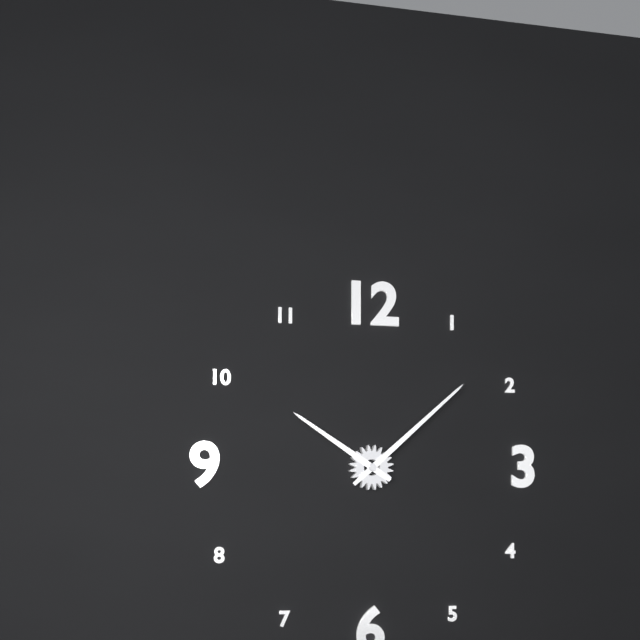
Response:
10.08
